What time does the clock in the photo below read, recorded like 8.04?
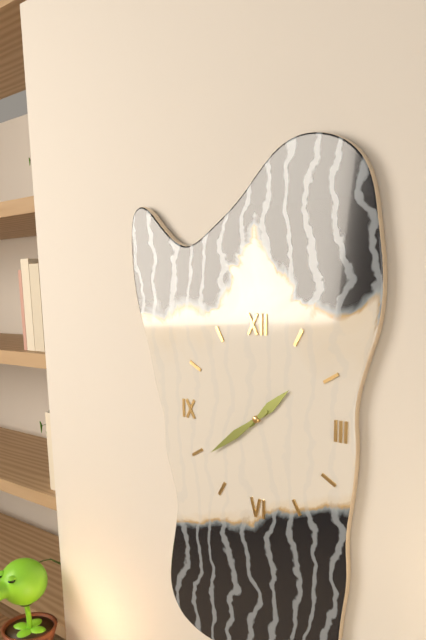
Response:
1.39
